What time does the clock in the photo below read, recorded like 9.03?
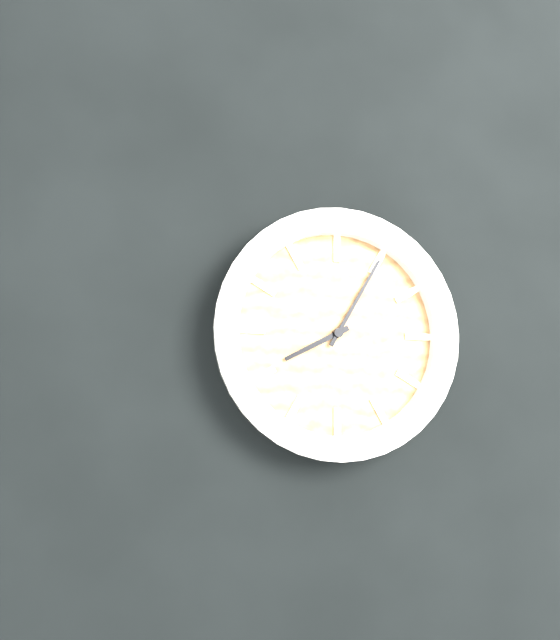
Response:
8.05
